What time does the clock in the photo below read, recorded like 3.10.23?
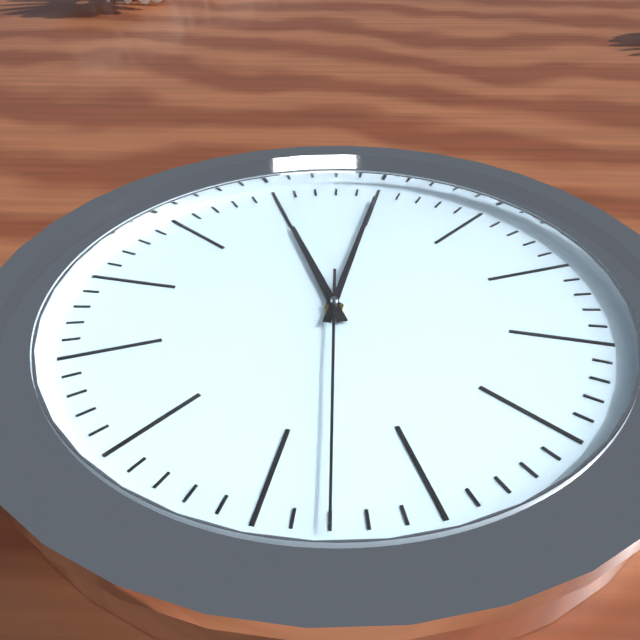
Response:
11.00.28
